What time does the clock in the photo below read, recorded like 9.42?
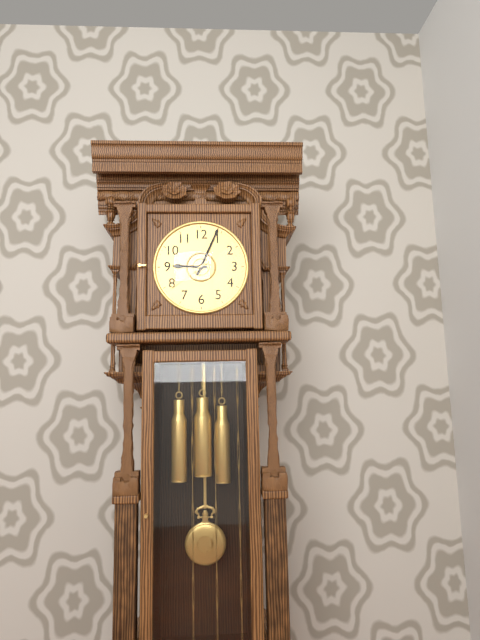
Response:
9.04
